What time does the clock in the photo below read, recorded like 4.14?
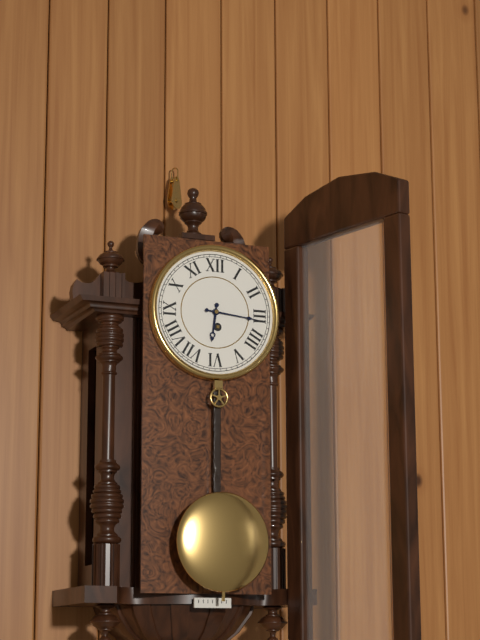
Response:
6.16
